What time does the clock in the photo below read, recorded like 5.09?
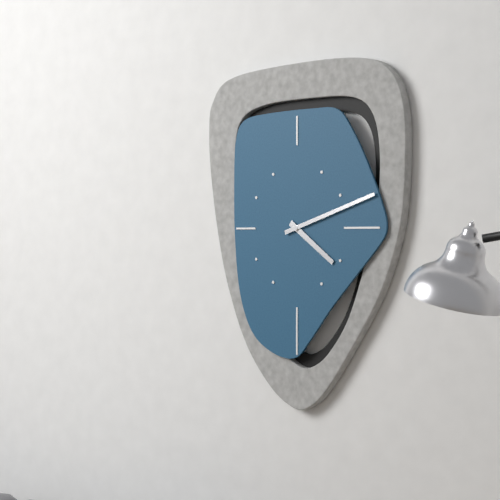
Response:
4.12
